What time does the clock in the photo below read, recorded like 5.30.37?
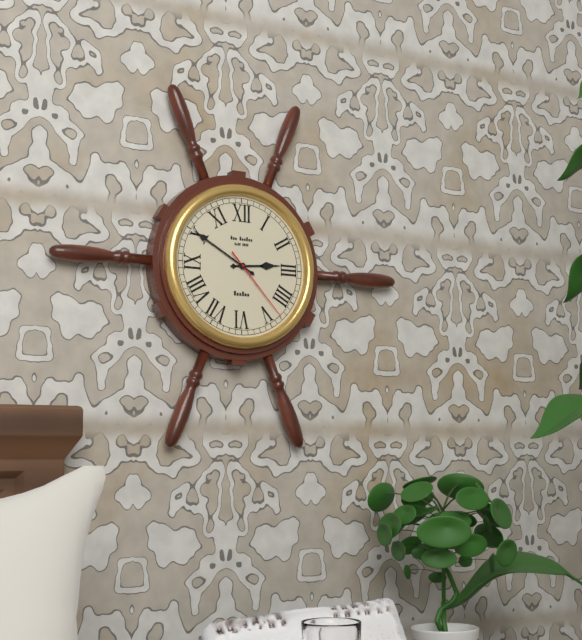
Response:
2.50.23
